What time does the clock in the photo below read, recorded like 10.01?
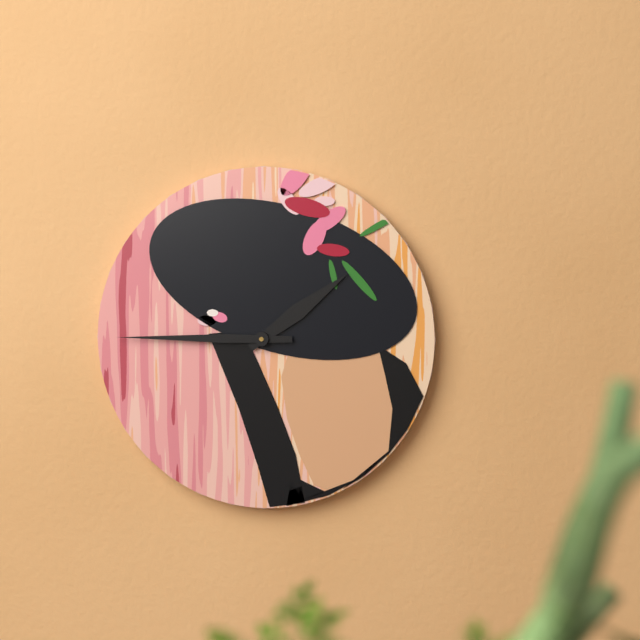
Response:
1.45
